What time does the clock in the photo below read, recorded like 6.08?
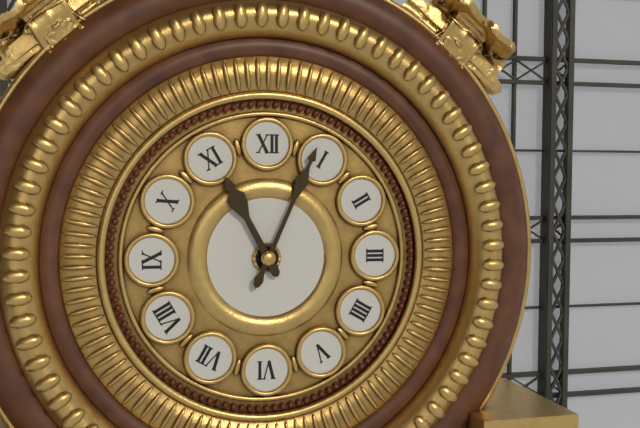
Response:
11.04
